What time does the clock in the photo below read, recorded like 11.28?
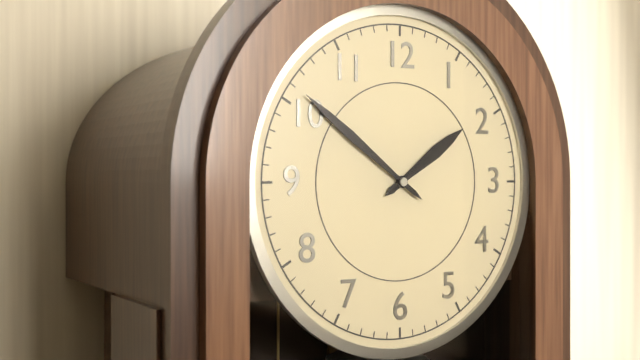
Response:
1.51
